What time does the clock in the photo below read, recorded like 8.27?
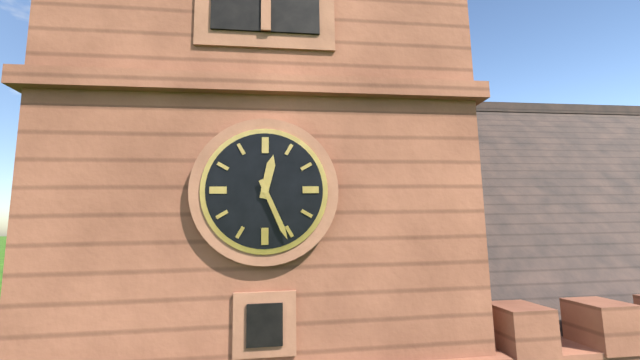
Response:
12.26
